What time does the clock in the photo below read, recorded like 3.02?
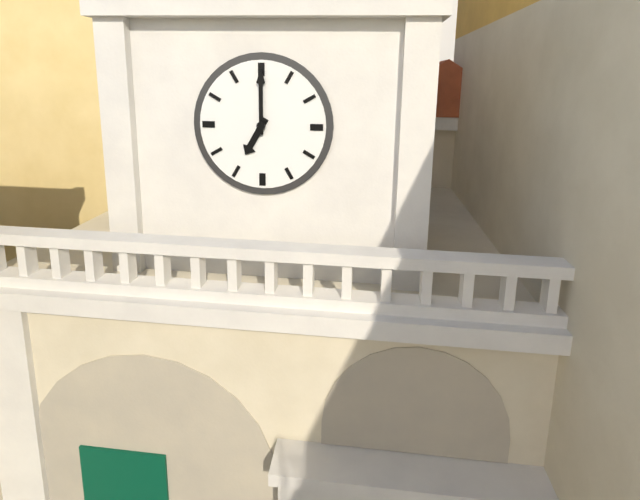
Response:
7.00
